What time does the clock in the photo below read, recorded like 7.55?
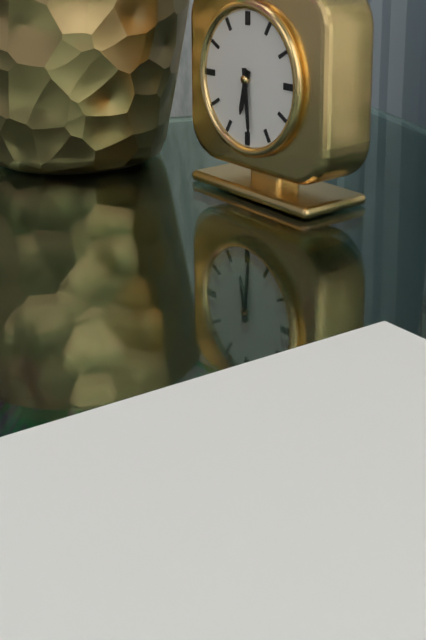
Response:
6.29
